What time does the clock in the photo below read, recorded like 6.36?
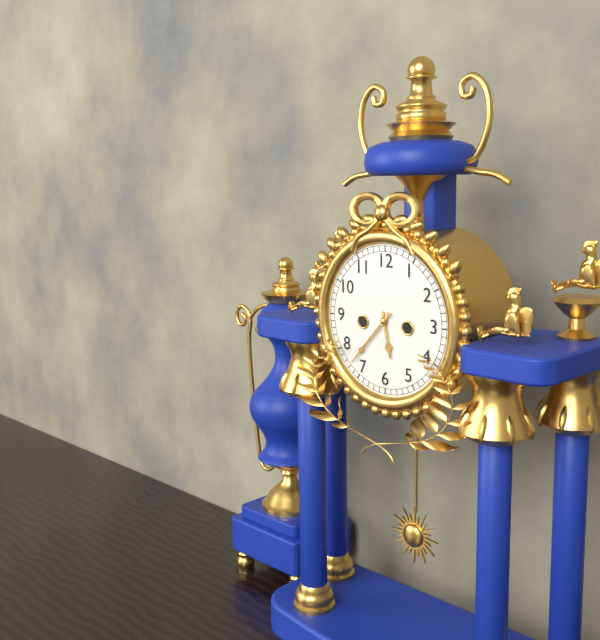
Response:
5.37
